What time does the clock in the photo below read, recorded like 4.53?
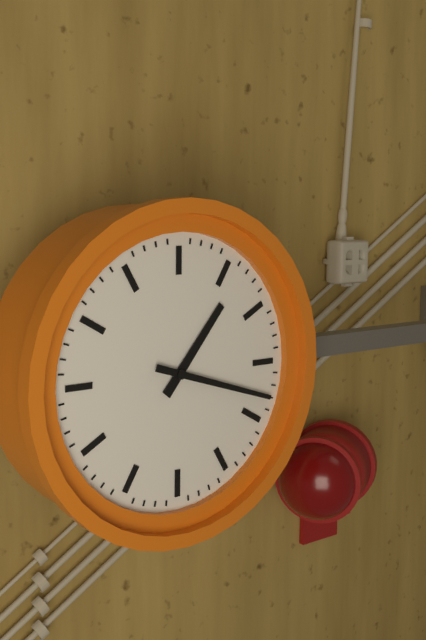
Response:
1.18
